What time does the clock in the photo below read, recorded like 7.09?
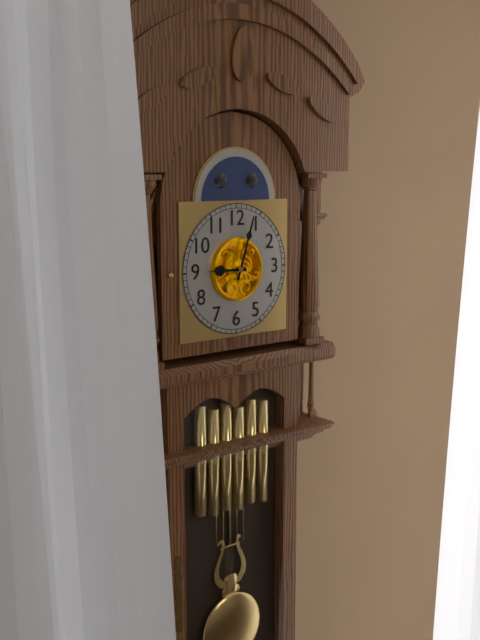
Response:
9.03
